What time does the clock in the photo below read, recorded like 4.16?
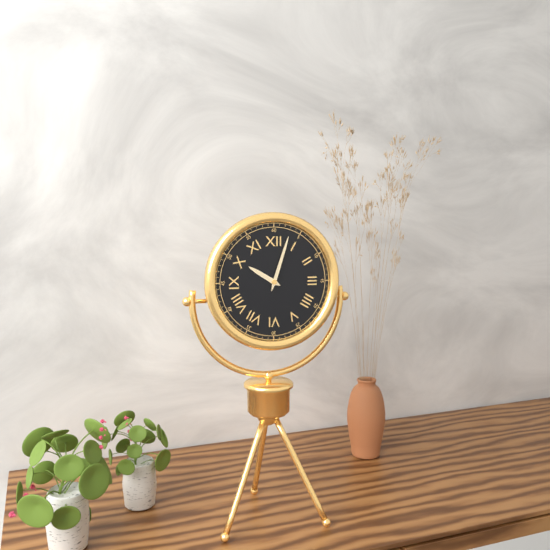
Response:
10.03
